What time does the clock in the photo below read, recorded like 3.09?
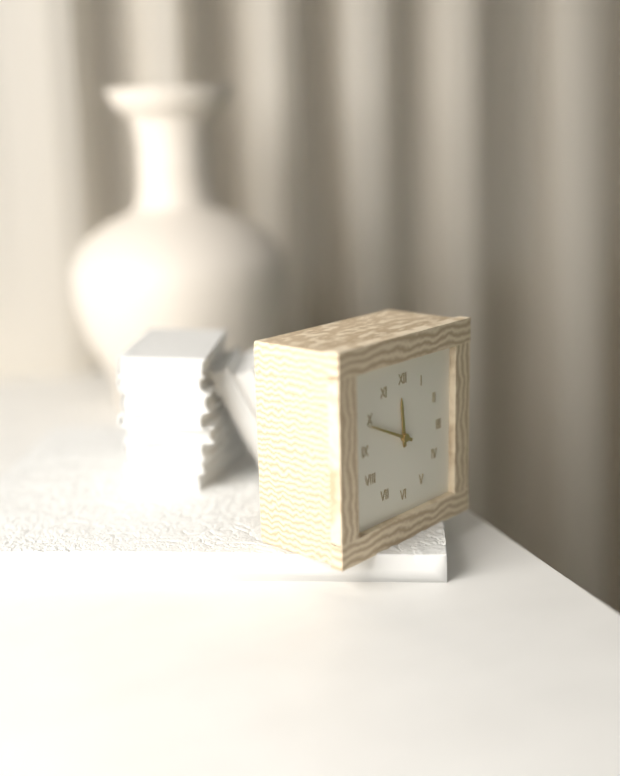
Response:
11.49
